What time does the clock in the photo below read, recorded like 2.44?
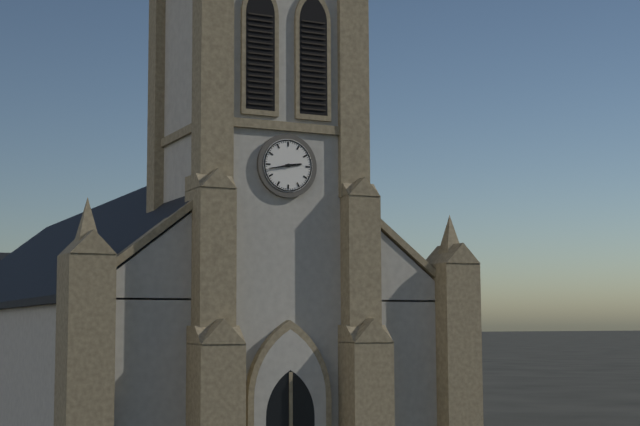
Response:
2.43
